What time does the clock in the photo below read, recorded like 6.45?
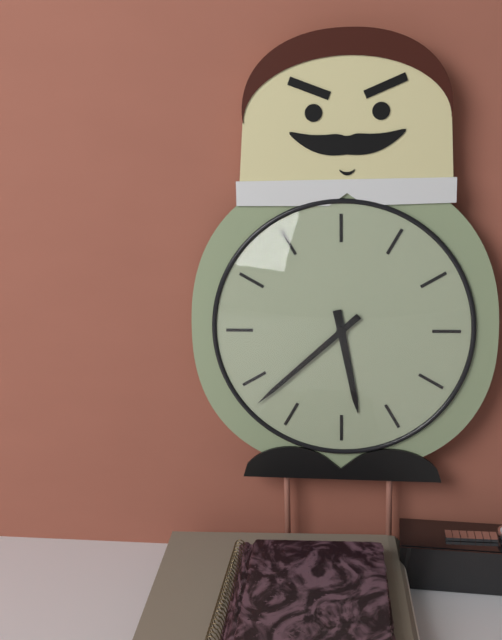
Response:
5.38
